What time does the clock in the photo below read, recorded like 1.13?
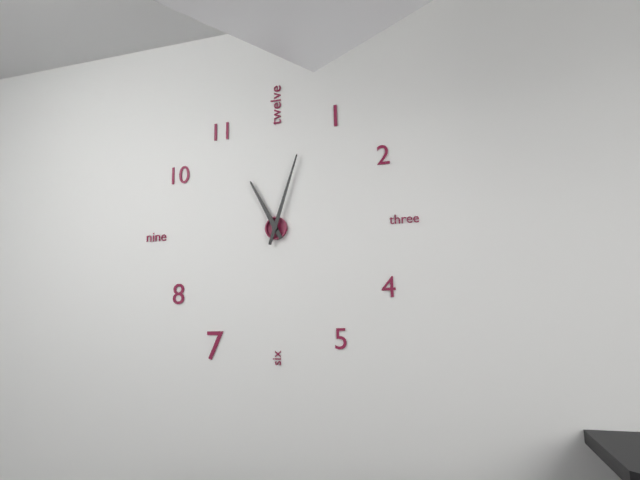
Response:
11.03
